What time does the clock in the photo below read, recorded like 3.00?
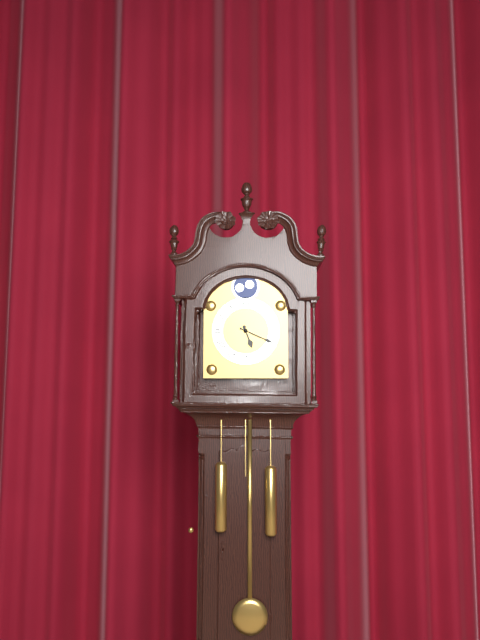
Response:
5.19
